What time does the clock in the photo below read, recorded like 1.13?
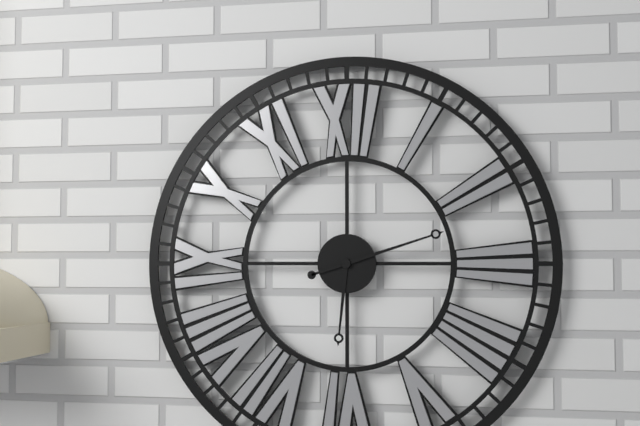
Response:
6.12
